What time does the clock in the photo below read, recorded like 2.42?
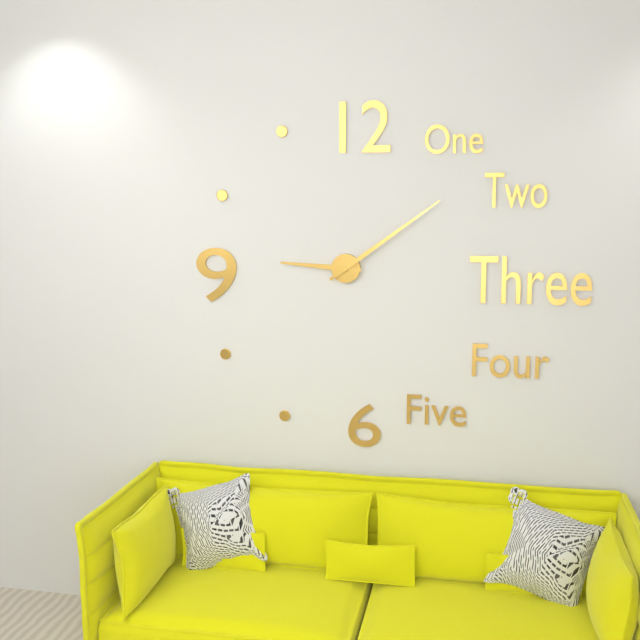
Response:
9.09
